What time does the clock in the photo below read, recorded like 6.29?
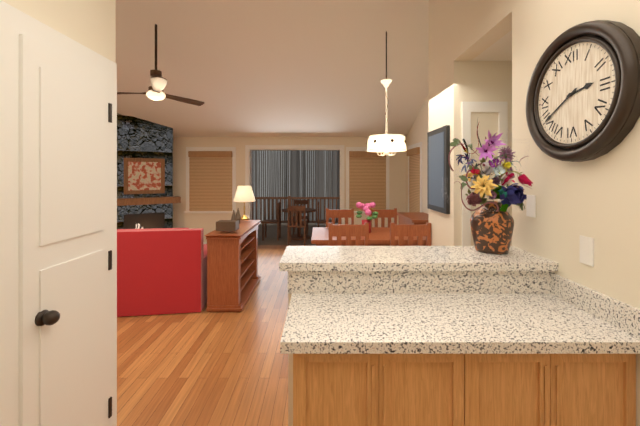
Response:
2.40
